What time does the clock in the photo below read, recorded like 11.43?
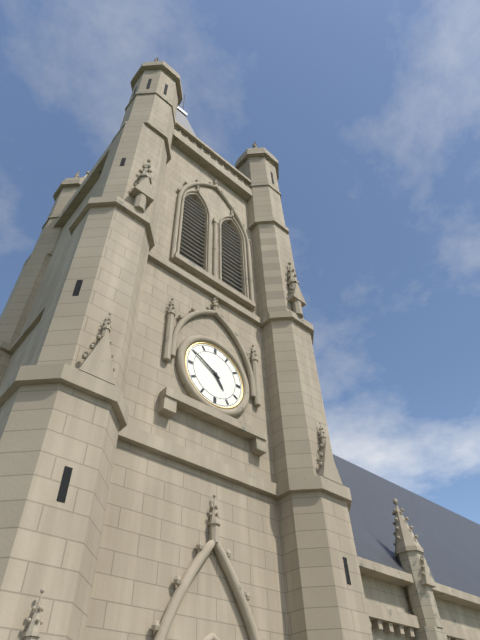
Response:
4.50
